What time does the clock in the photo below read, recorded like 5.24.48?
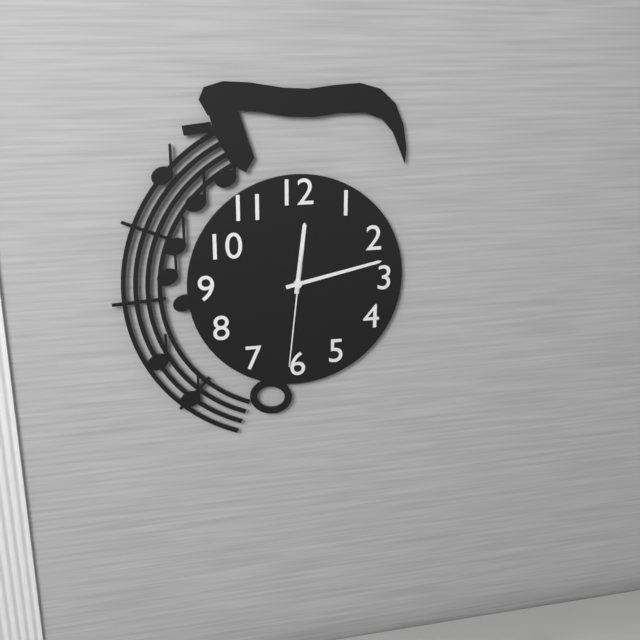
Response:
12.13.31
